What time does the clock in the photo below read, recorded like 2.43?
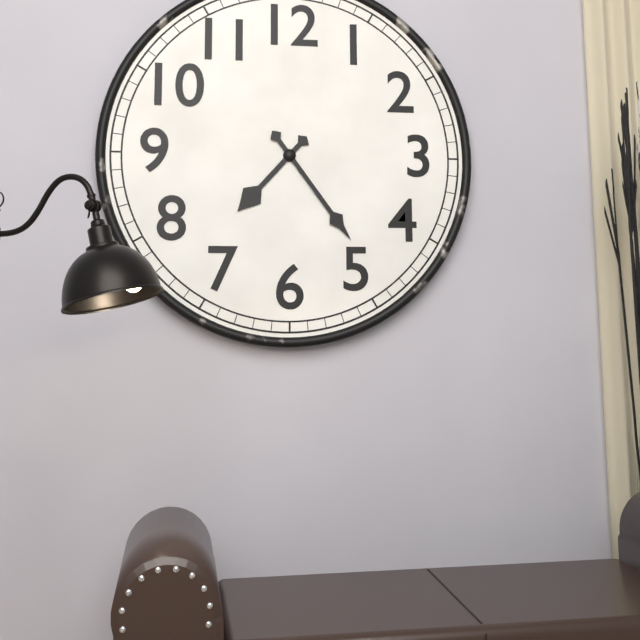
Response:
7.24
